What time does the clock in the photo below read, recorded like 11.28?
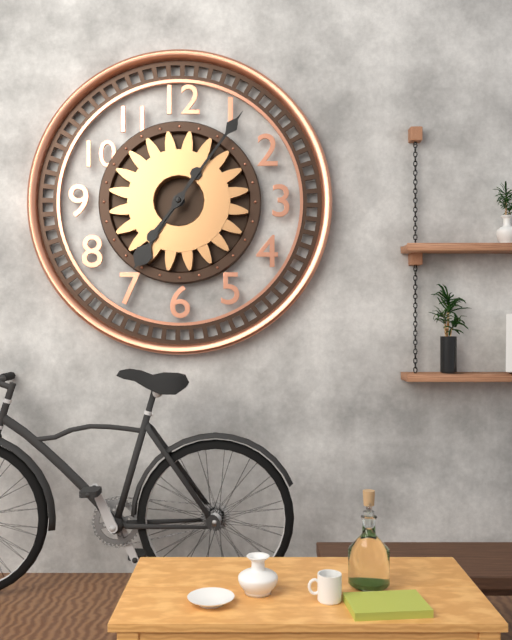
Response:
7.06
